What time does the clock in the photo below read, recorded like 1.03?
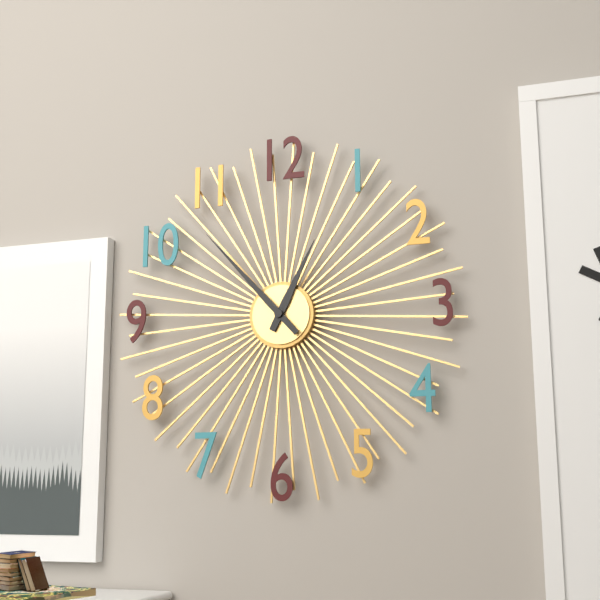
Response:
12.53
